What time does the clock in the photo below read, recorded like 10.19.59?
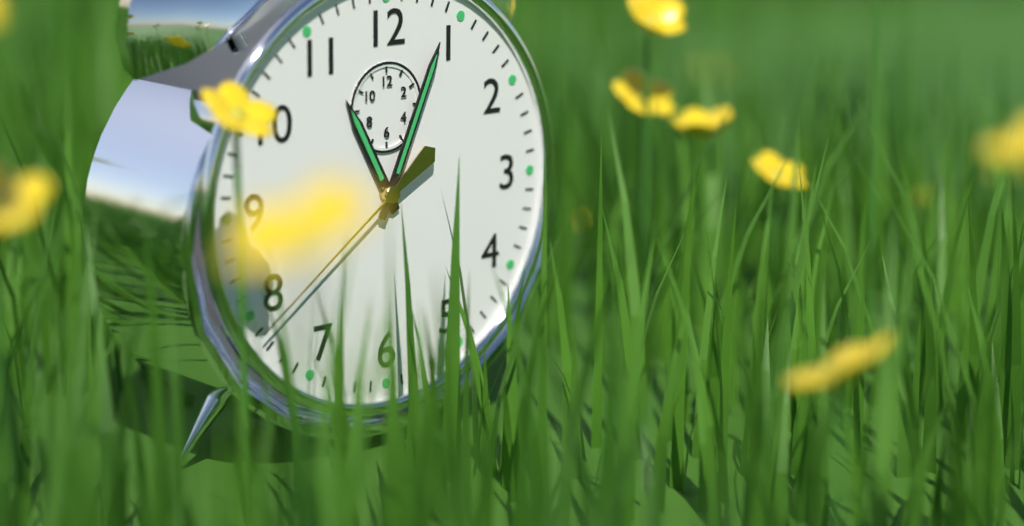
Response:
11.04.39
